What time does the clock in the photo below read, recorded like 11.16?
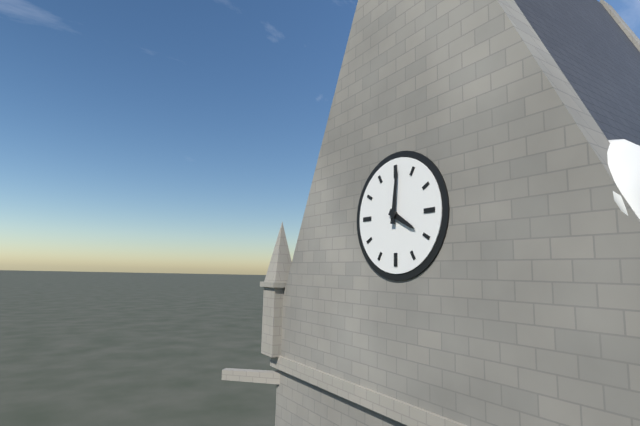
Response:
4.01
